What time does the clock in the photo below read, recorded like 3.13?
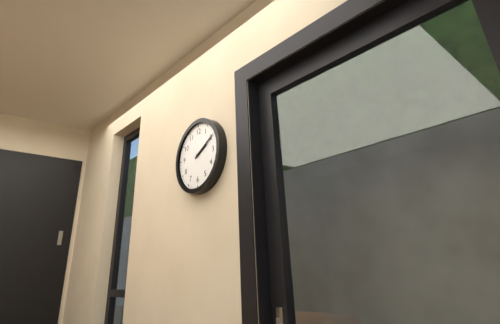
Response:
2.10
